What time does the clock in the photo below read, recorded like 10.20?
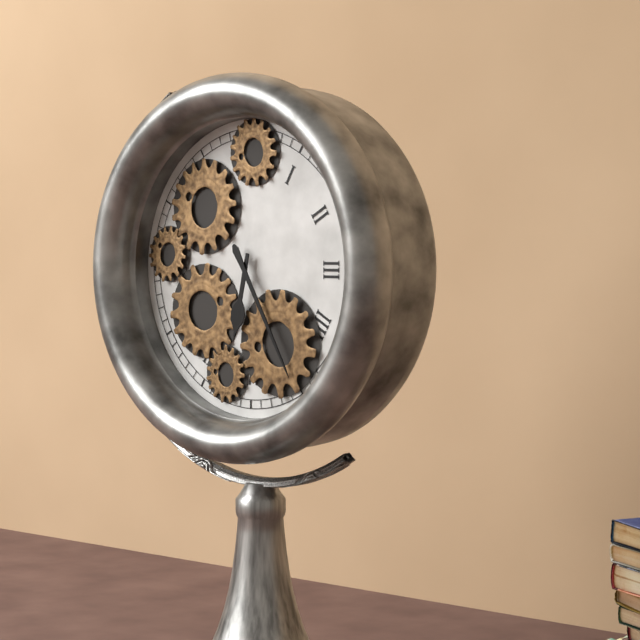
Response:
6.25
